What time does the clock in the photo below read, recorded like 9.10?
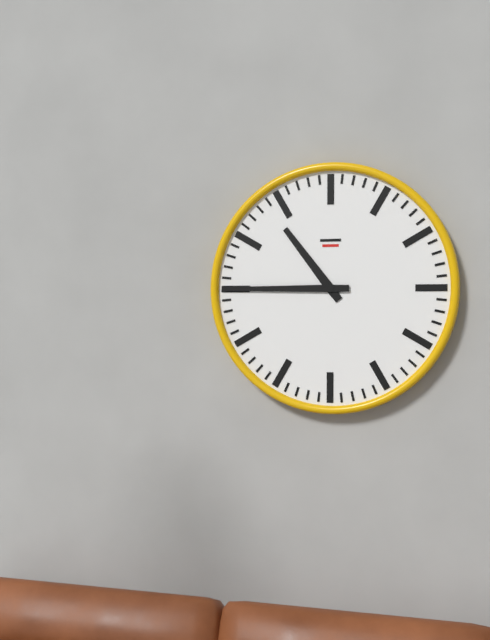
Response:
10.45
